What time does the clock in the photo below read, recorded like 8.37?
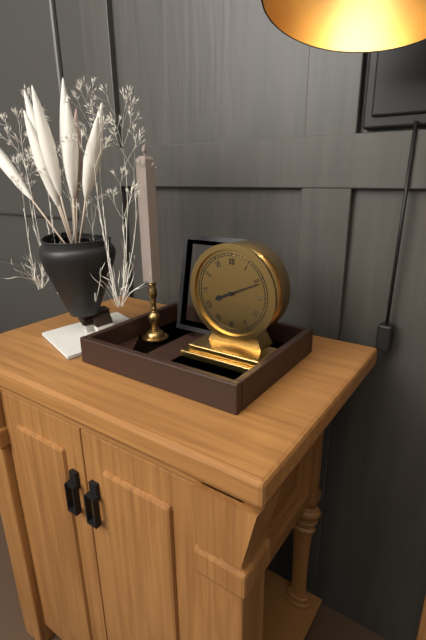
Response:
8.11
